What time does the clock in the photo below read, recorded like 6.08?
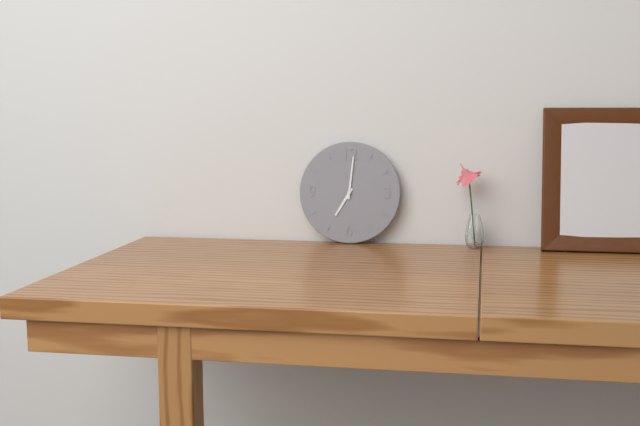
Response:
7.01
